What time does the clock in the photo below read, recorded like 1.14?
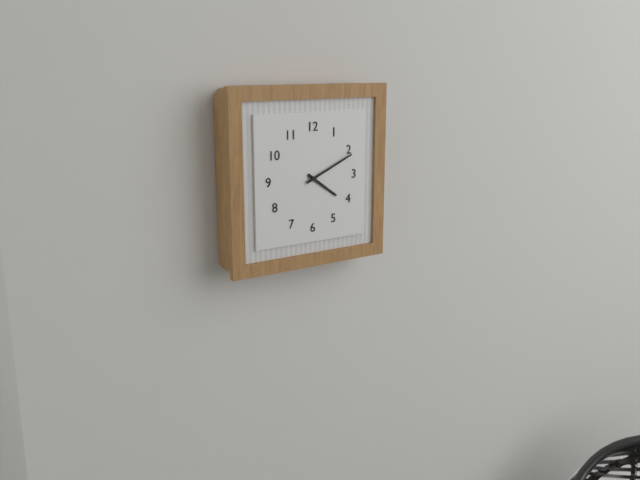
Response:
4.11
